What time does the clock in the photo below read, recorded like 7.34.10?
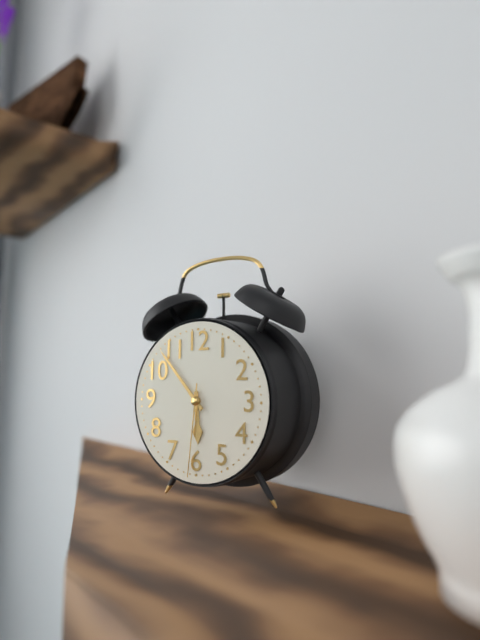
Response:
5.53.31
